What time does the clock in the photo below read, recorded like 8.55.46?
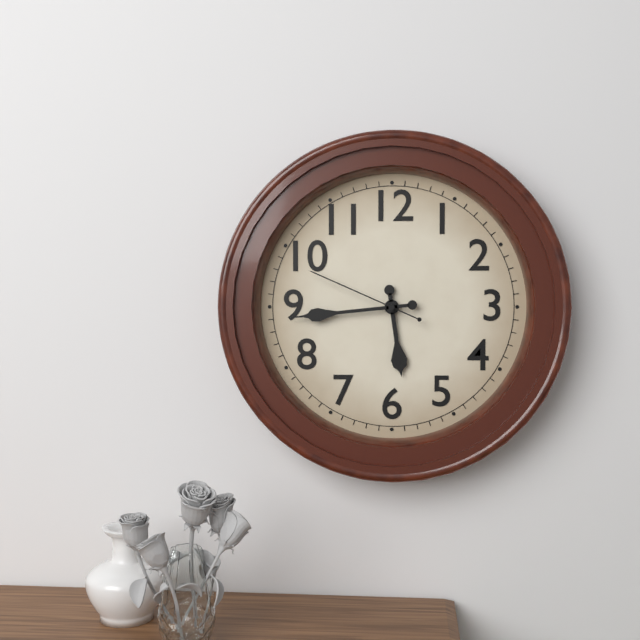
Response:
5.44.49
